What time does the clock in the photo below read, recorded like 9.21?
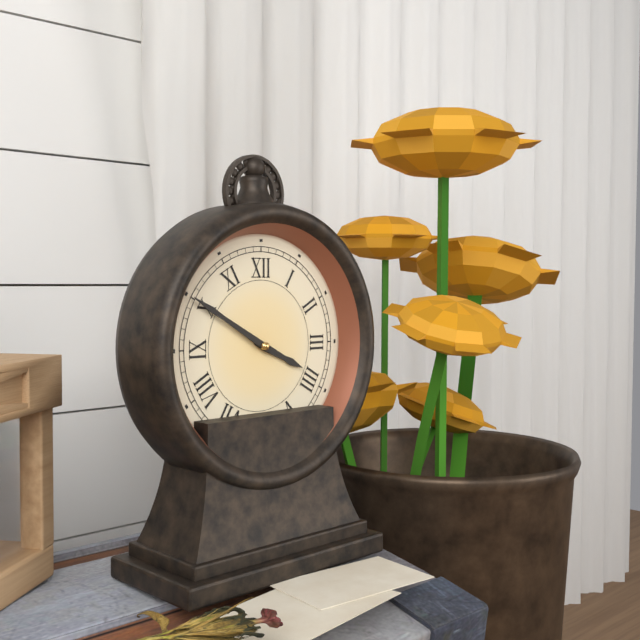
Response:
3.50
